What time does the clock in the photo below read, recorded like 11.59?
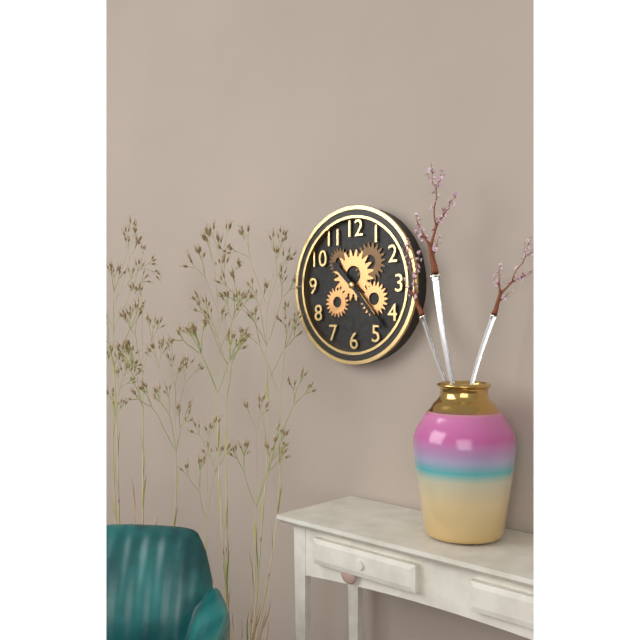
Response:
10.23
